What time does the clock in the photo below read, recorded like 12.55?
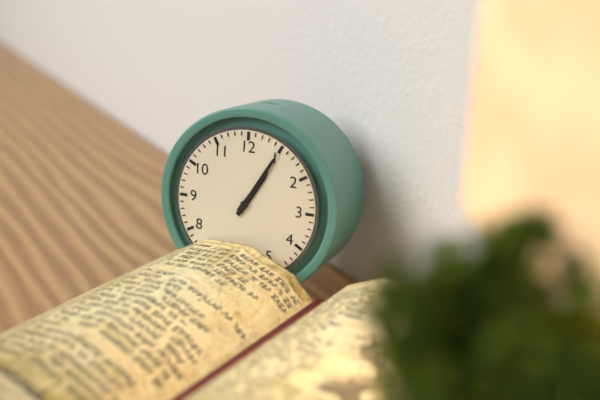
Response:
1.05
